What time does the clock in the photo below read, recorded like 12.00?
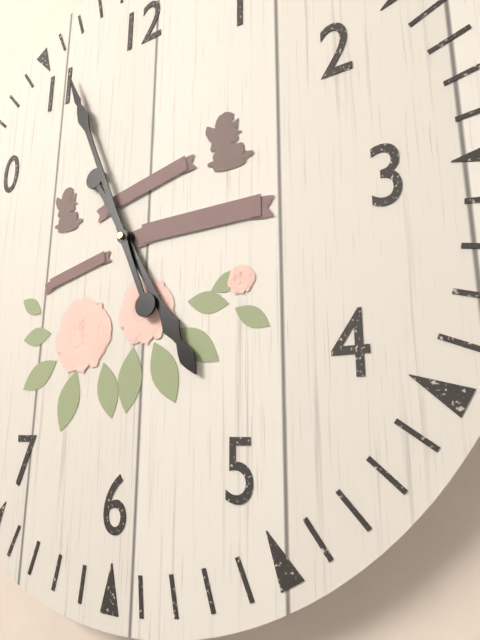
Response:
4.56
